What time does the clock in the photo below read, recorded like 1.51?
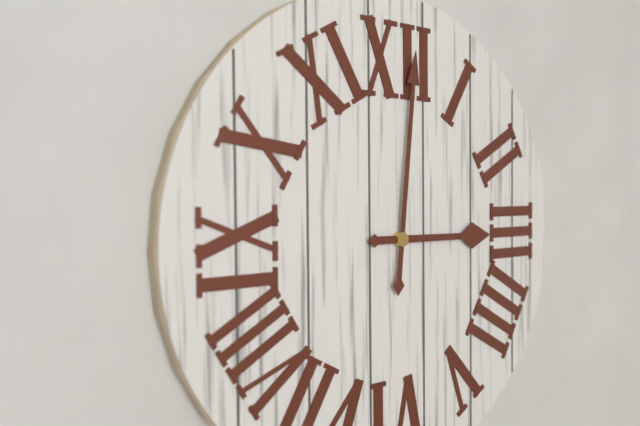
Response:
3.01
